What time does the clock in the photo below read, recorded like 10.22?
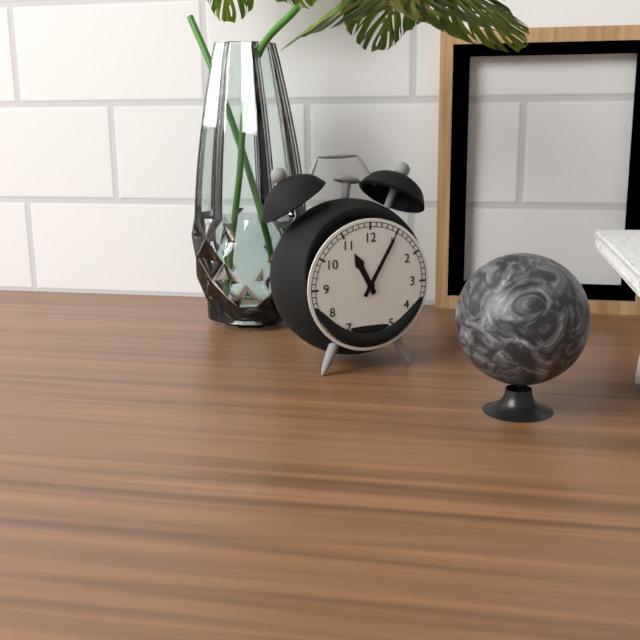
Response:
11.05
